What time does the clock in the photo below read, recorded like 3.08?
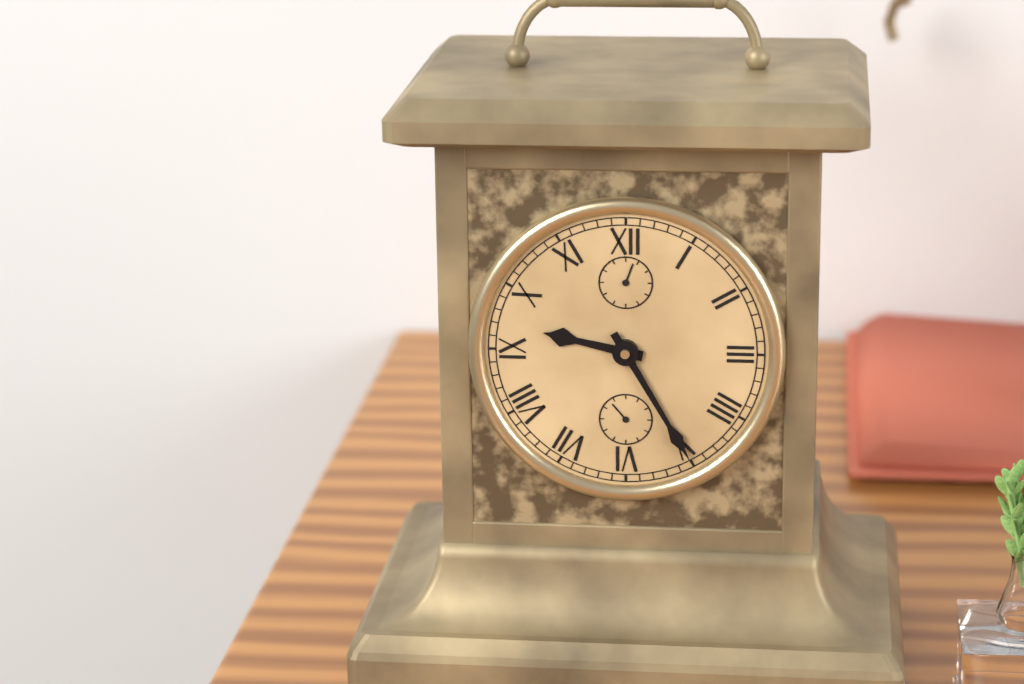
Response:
9.25
